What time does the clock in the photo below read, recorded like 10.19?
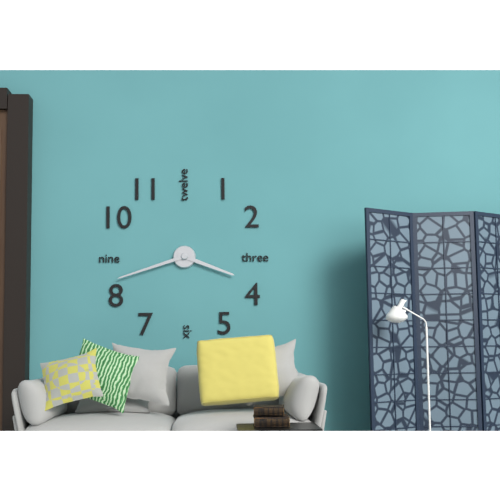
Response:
3.42
